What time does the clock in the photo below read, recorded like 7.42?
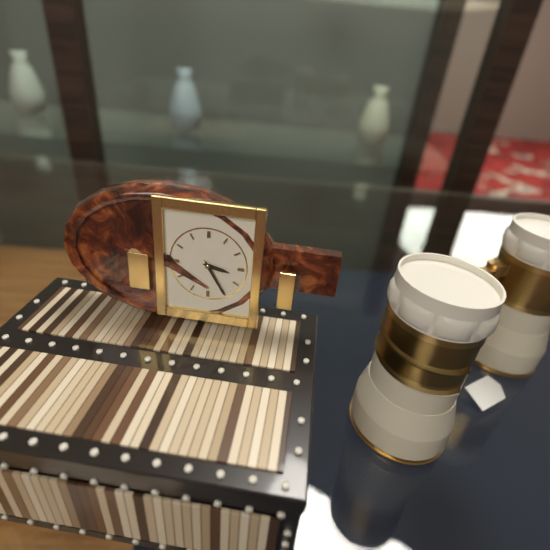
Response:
3.25
